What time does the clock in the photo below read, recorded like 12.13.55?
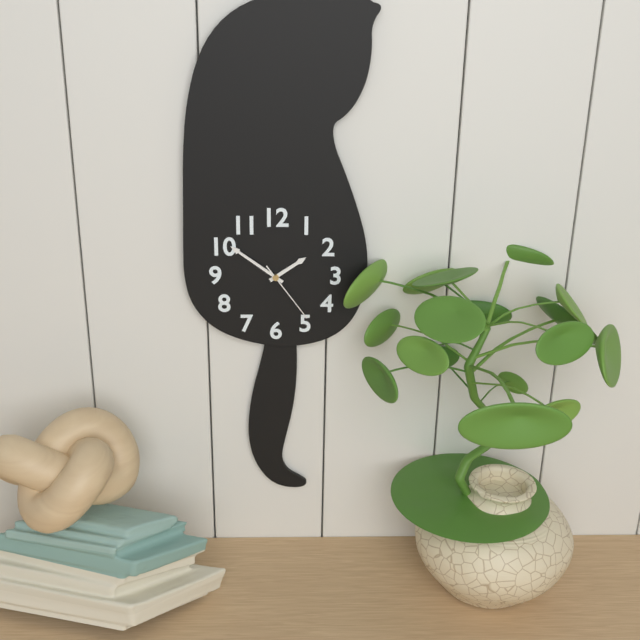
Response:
1.51.24
